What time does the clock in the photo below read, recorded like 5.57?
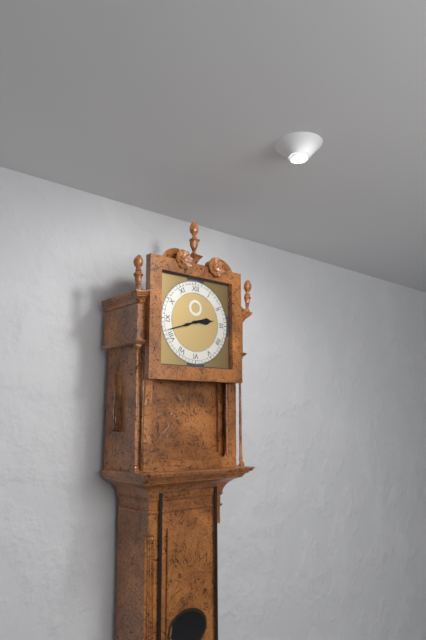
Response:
2.42
